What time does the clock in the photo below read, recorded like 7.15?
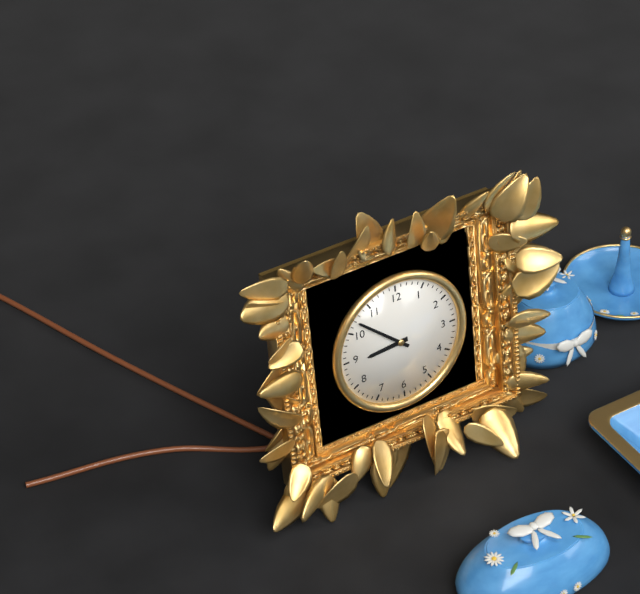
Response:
8.52
